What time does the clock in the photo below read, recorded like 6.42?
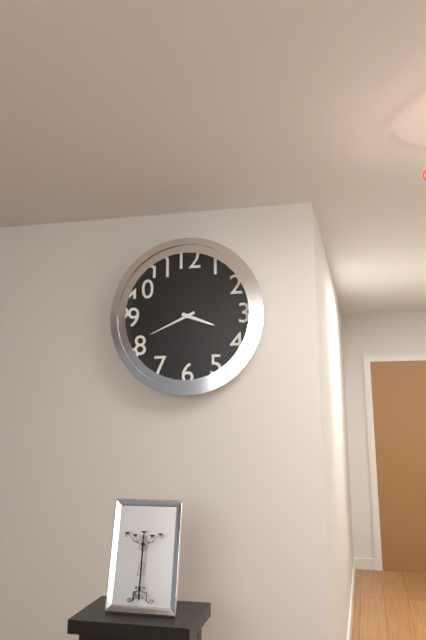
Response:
3.41
